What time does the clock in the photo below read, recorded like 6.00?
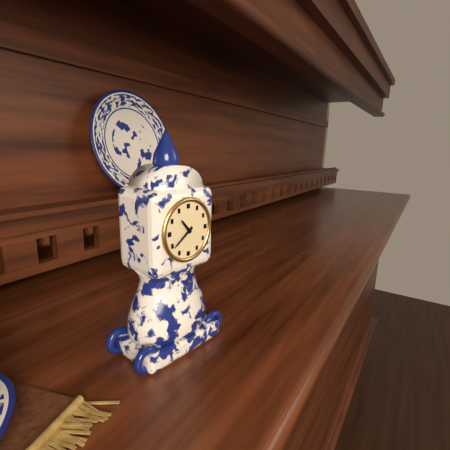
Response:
10.39
